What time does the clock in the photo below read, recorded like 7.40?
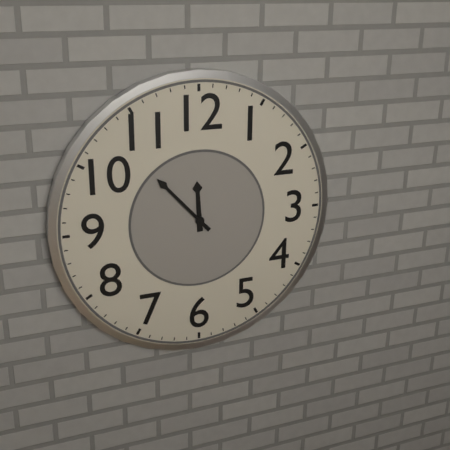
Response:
11.53
